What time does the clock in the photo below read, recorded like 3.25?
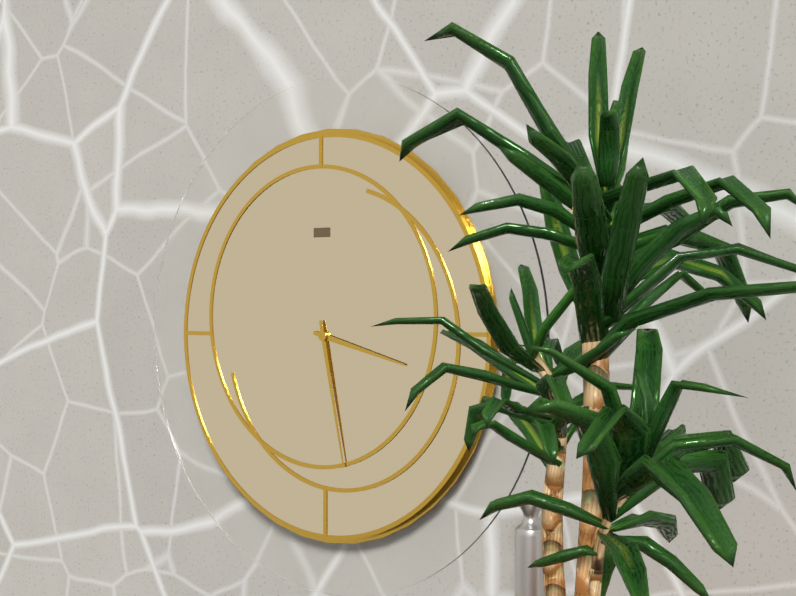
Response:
3.28
